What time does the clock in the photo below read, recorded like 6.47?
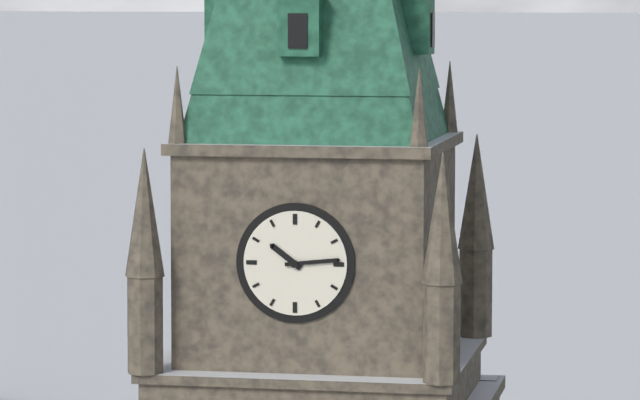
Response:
10.14
